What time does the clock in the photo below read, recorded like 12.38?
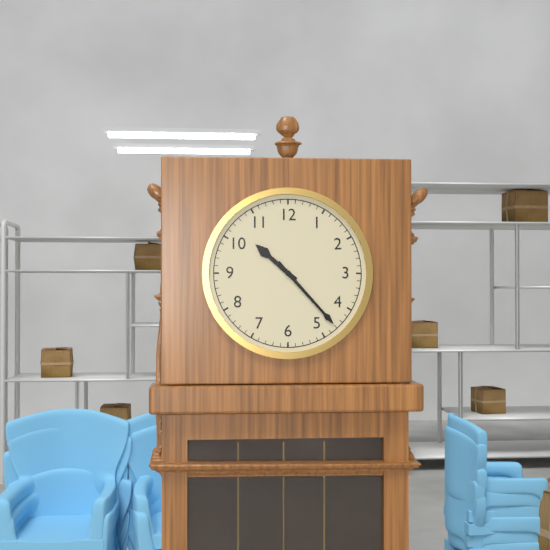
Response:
10.23
